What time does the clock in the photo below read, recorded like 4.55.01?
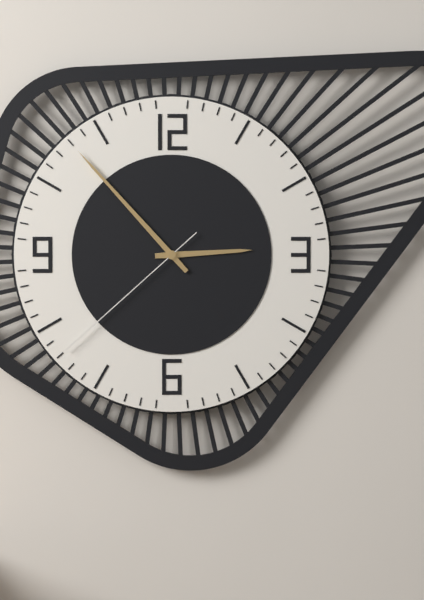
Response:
2.53.38
